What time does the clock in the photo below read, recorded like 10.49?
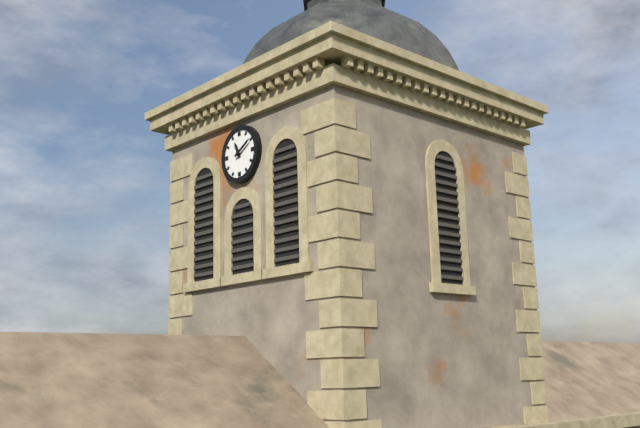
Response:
11.10
